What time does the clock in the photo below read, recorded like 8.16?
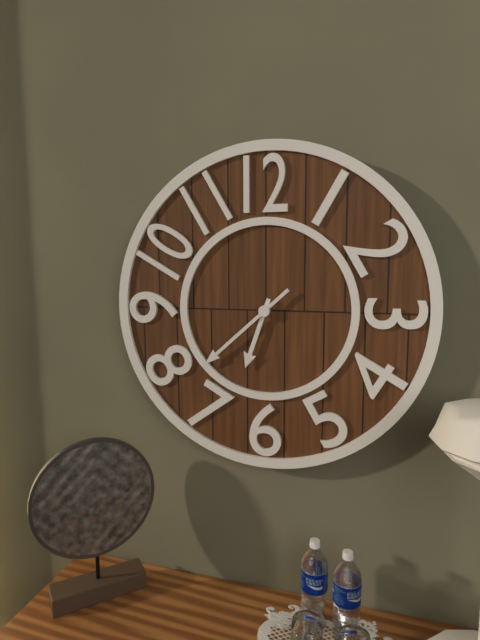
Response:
6.38
